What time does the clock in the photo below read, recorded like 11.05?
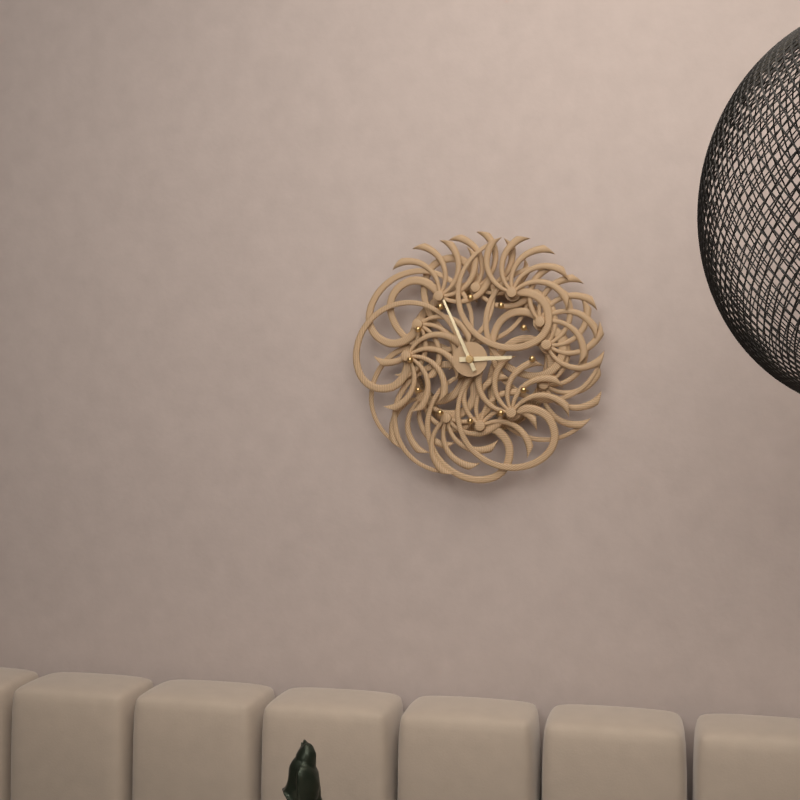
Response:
2.56
